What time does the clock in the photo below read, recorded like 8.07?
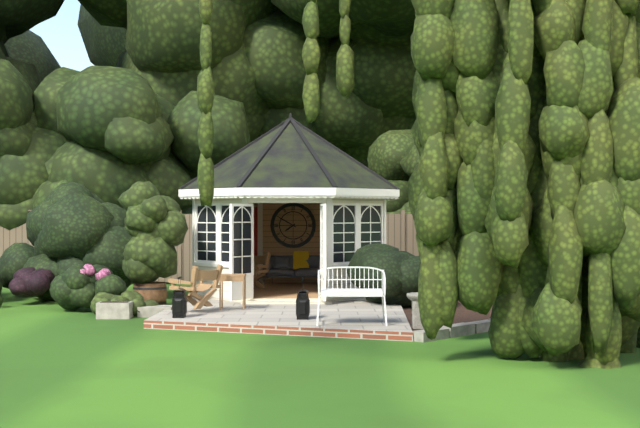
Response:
7.50
